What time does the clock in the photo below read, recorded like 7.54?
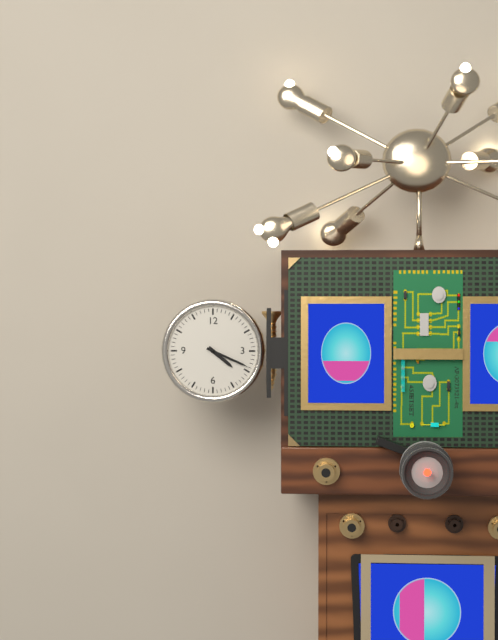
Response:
4.19
